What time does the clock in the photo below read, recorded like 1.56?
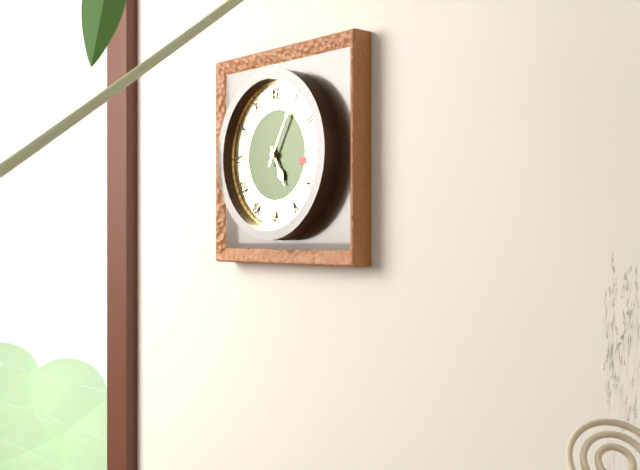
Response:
5.05
